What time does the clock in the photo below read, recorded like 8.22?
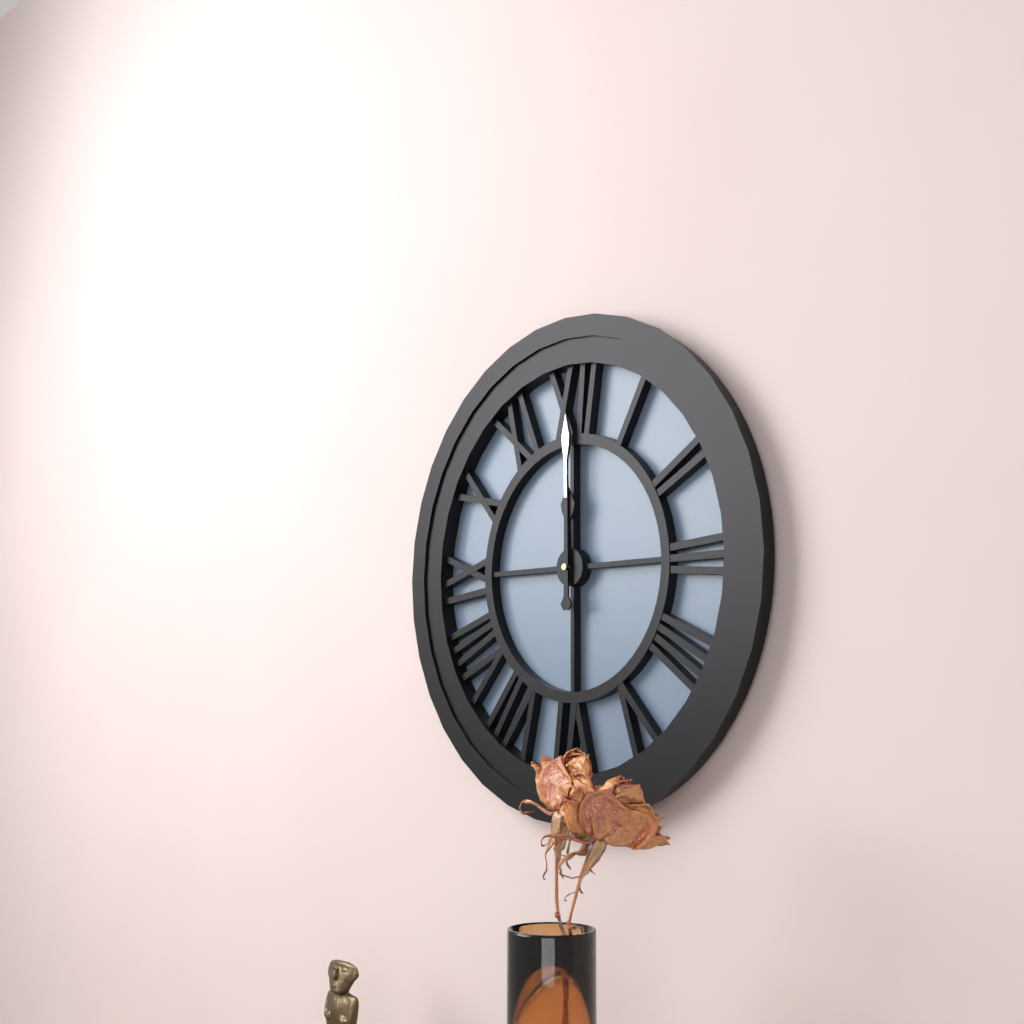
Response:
12.00
